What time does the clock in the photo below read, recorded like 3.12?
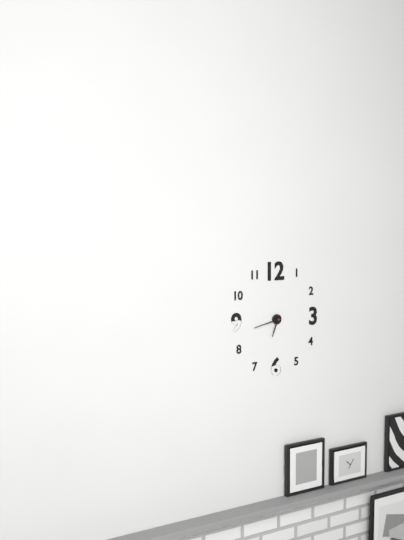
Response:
6.43
